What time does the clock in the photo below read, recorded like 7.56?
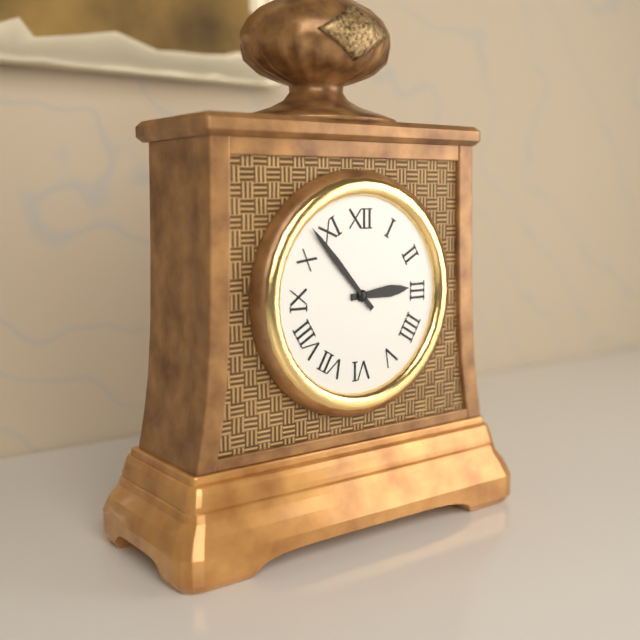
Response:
2.53
